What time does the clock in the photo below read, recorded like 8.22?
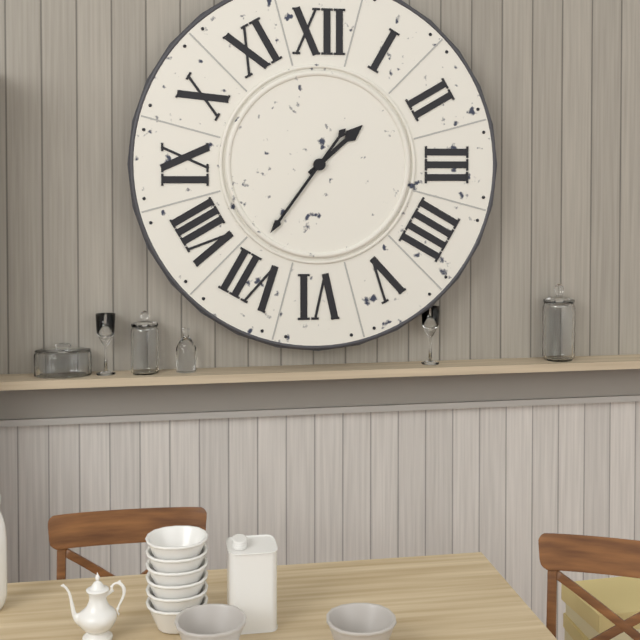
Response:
1.36
